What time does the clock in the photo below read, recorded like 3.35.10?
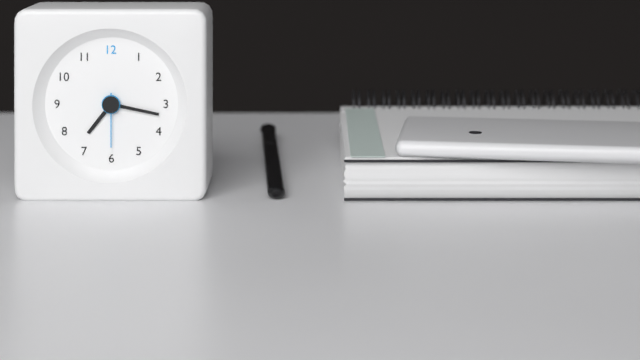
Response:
7.17.30
